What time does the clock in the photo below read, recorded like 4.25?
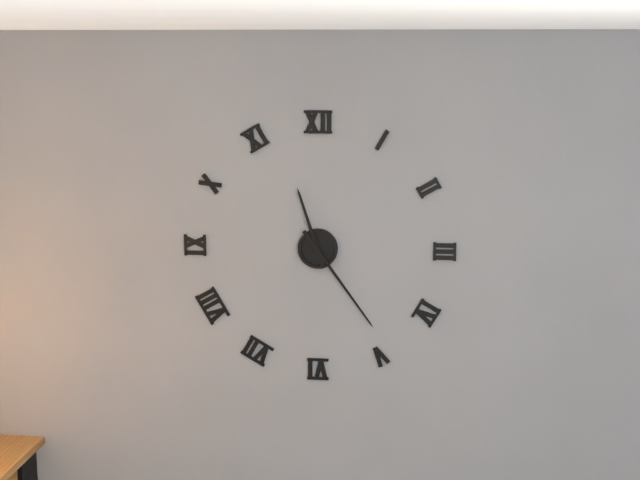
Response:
11.24
